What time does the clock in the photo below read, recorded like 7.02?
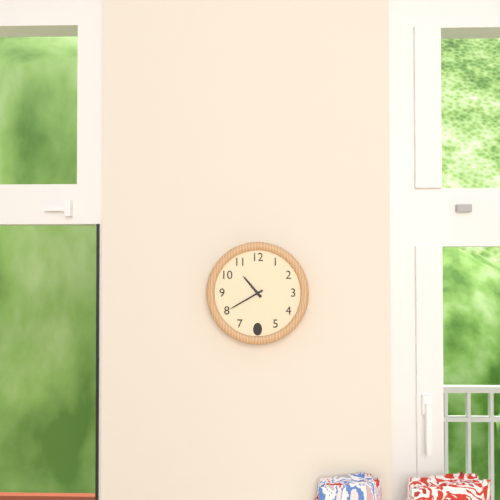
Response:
10.40
